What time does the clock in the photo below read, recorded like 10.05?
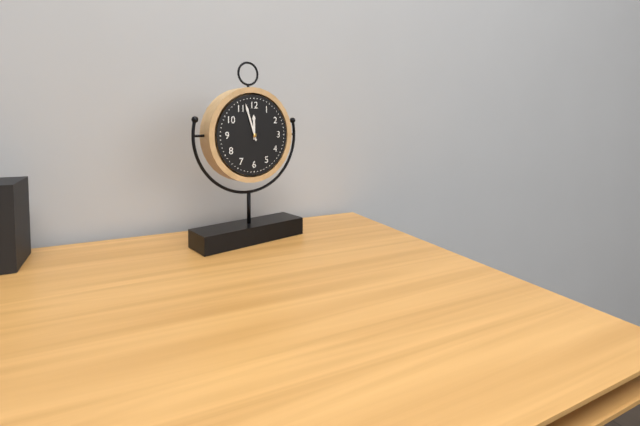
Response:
11.57
